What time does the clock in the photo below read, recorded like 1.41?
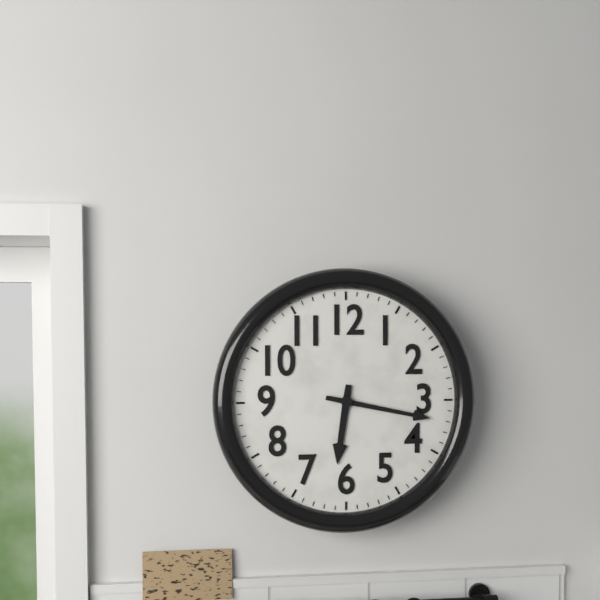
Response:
6.17
